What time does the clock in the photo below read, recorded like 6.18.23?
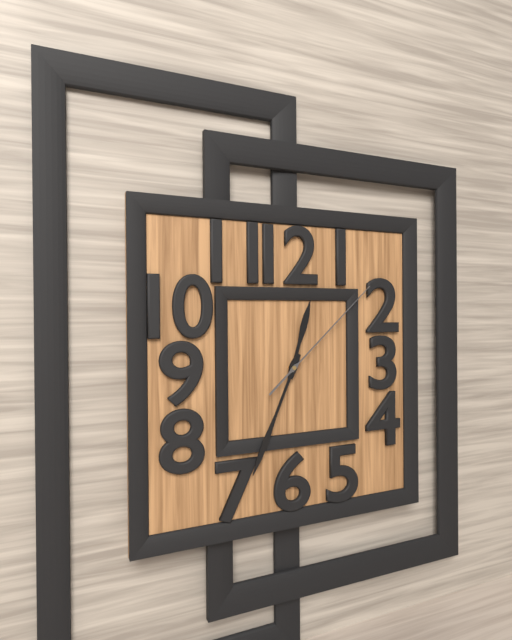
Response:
12.34.08
